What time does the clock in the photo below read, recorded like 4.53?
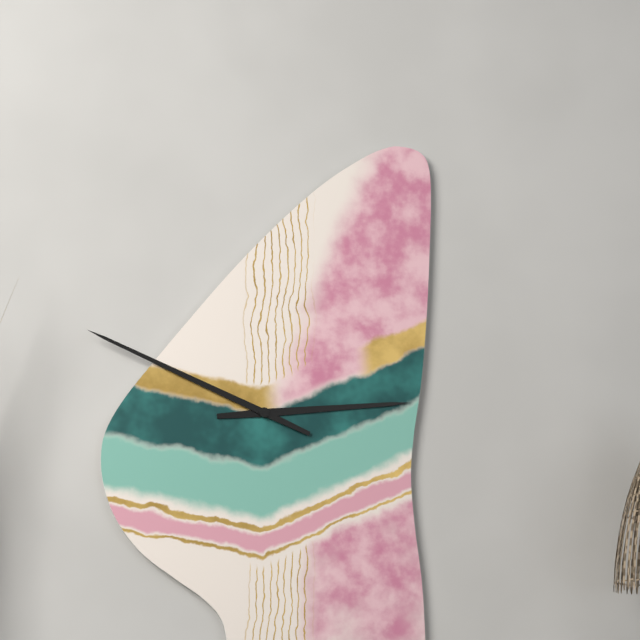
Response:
2.49
